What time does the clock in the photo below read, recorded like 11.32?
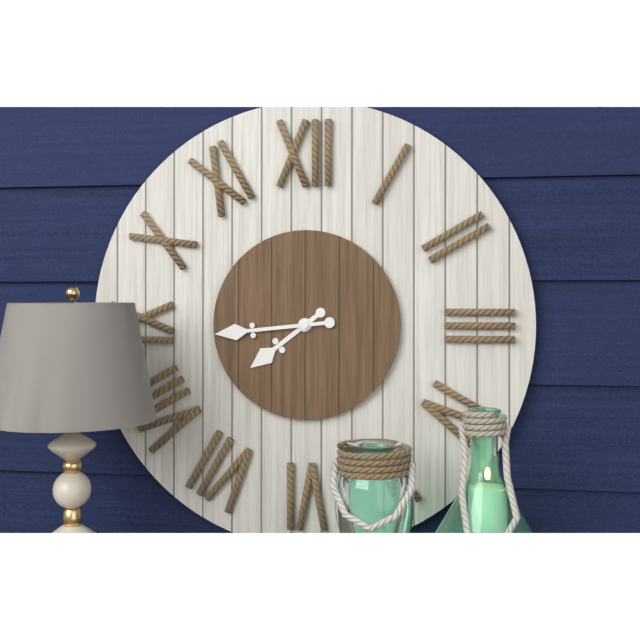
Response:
7.44
